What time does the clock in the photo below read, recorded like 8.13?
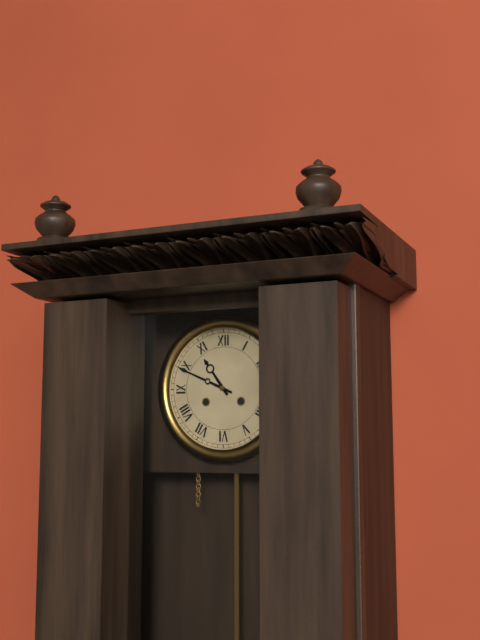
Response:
10.49
